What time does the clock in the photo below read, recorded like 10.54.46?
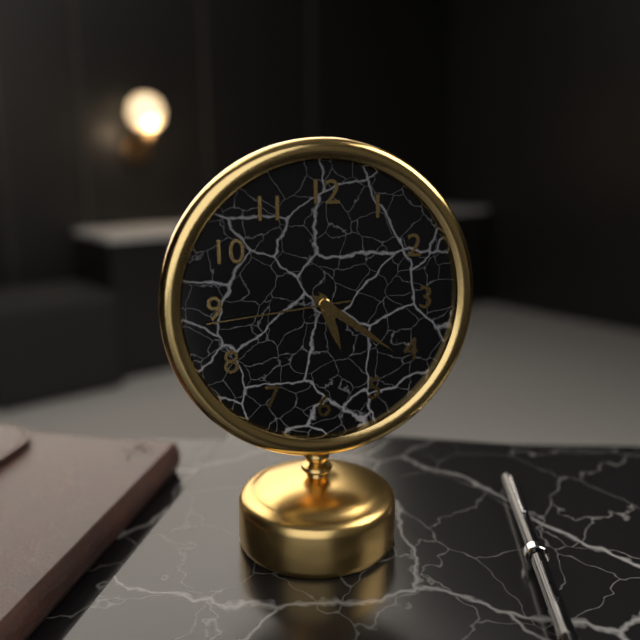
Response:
5.21.44
